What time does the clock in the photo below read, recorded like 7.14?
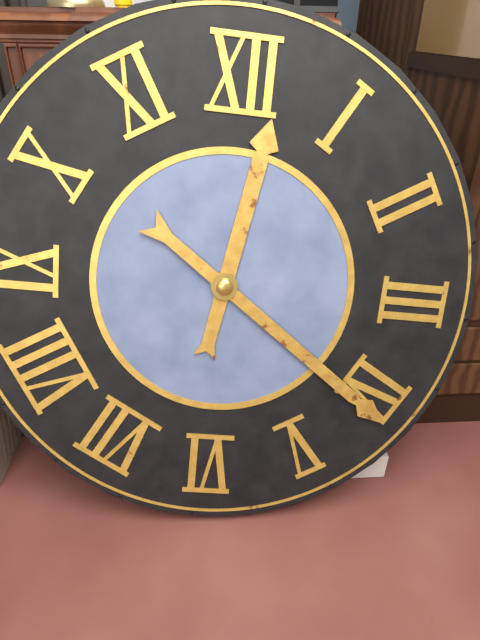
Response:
12.21
